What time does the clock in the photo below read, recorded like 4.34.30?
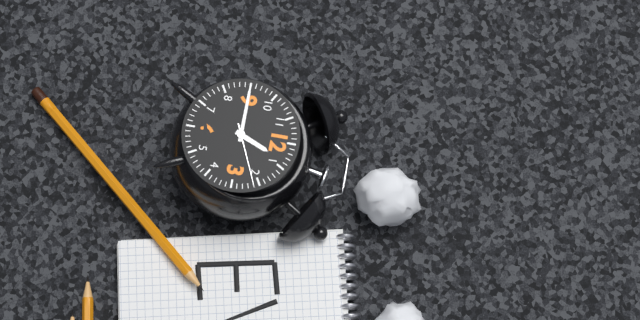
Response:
12.45.11
